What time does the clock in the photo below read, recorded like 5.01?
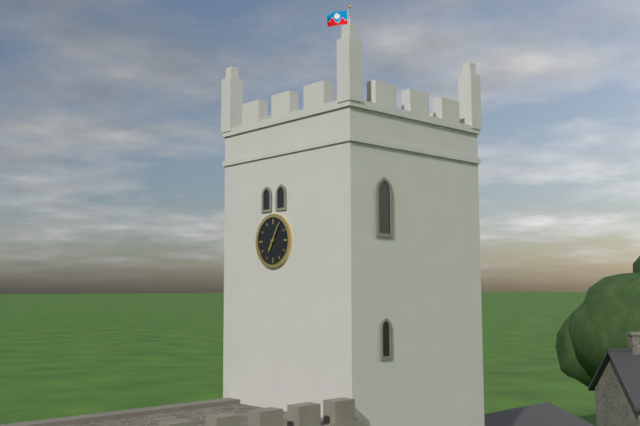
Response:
7.05
